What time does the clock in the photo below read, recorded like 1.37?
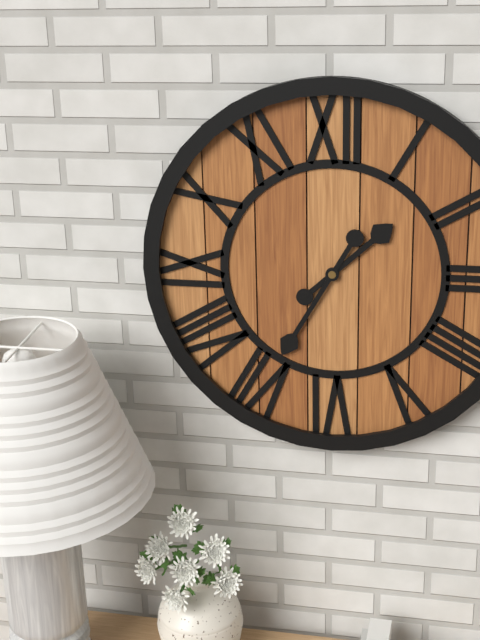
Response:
1.35
